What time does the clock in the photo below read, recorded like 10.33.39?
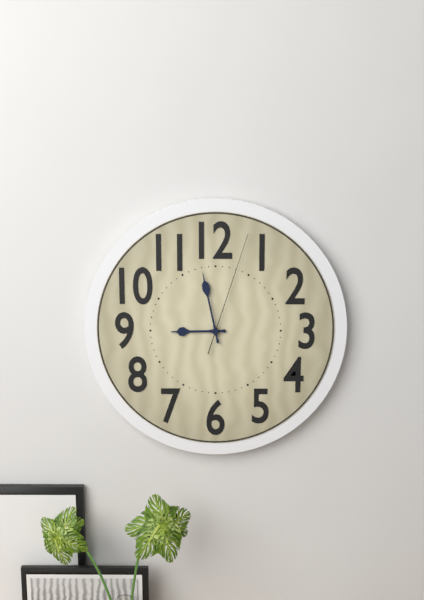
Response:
8.58.03
